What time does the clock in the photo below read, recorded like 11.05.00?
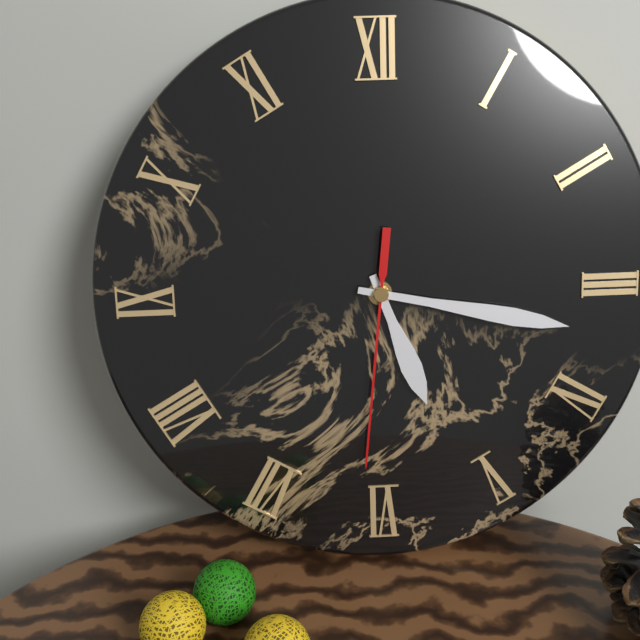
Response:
5.17.31
